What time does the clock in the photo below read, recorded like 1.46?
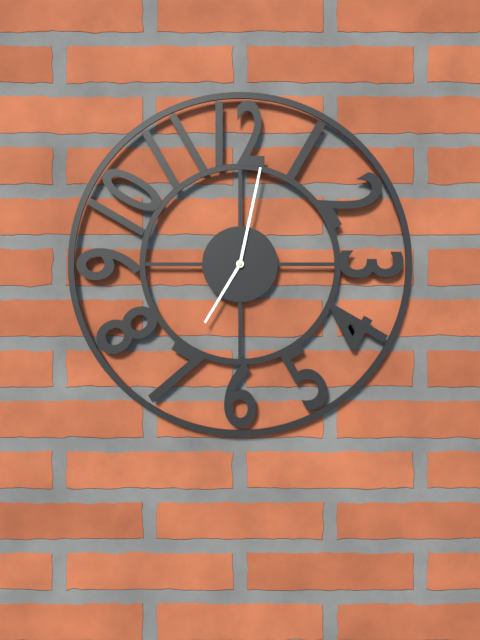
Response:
7.02
